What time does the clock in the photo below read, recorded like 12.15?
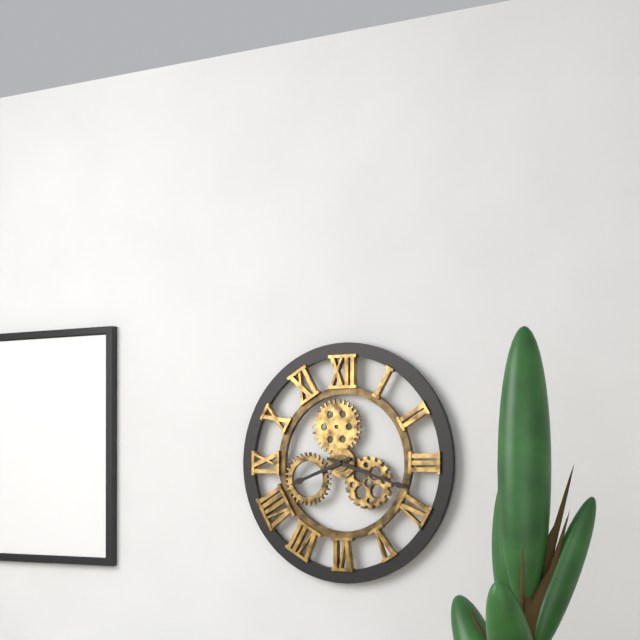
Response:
8.18
